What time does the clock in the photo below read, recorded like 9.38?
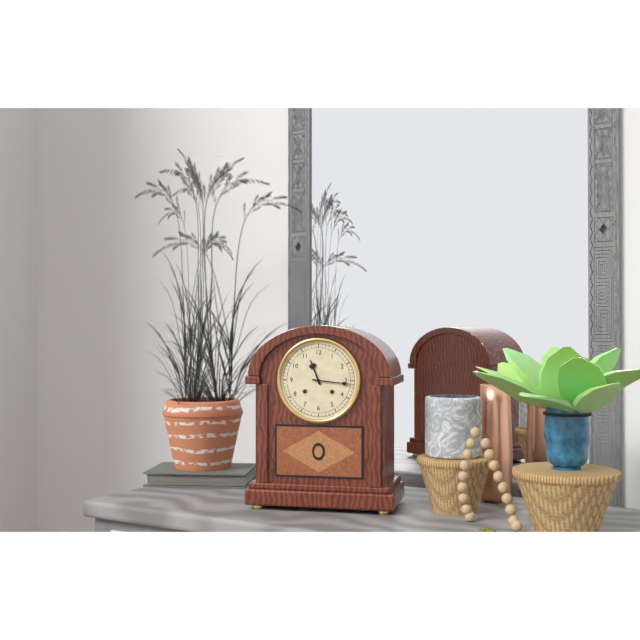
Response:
11.16
